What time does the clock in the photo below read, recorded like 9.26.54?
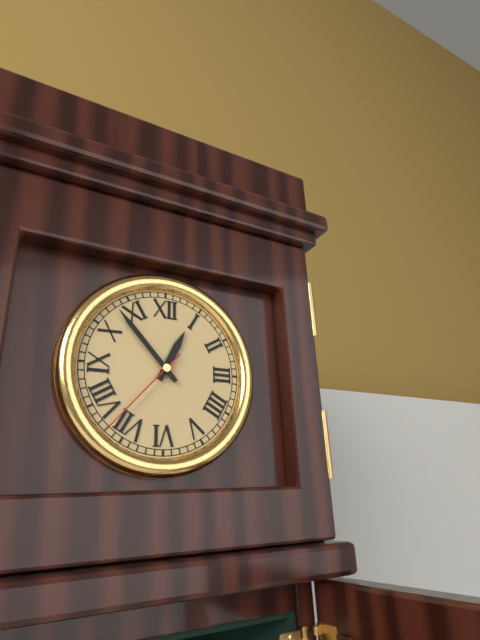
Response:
12.53.37
